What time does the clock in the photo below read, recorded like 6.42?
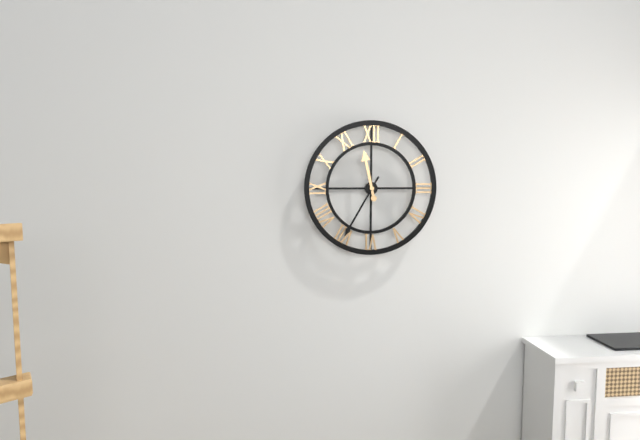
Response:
11.35
